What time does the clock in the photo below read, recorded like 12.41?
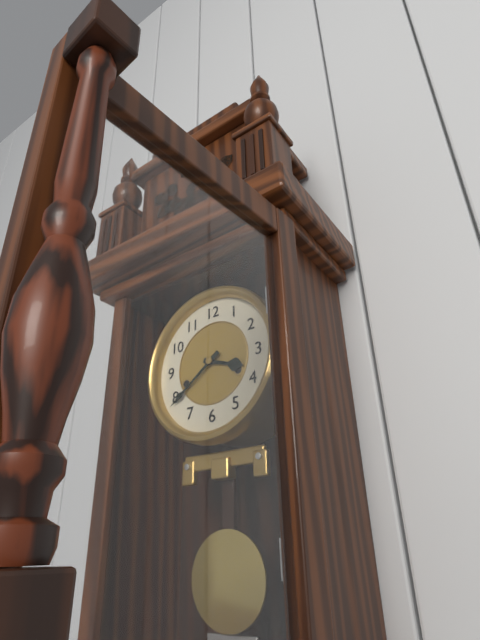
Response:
3.39
